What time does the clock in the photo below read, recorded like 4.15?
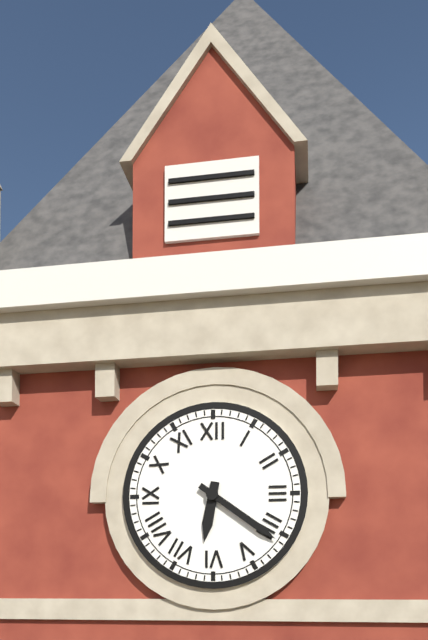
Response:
6.21
